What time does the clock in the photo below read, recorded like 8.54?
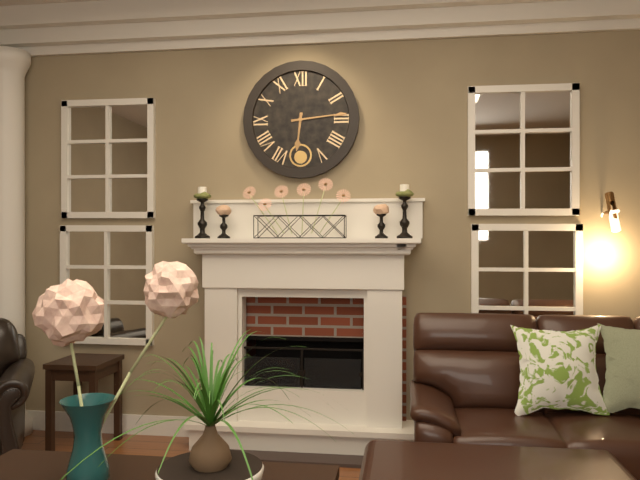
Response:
6.14
